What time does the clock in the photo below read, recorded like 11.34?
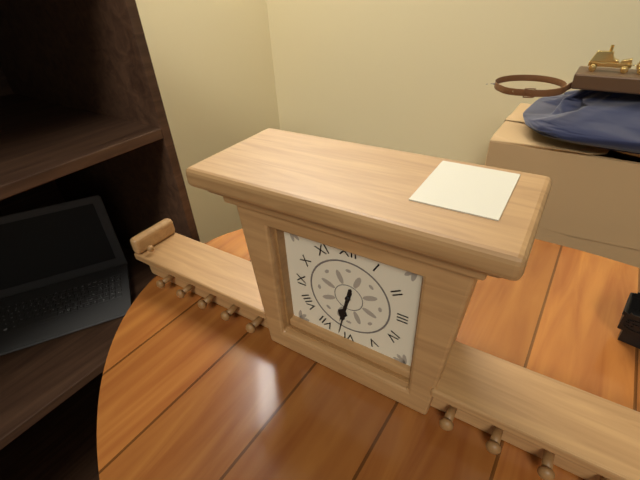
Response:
6.32
